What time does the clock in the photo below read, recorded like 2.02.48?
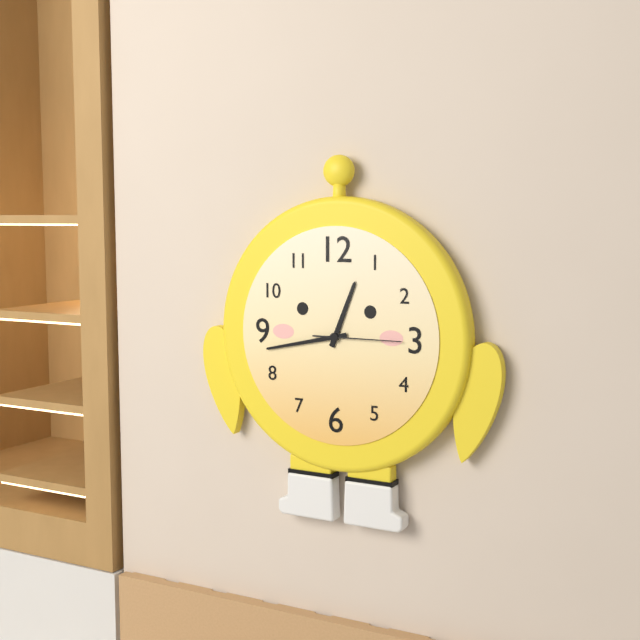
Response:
12.43.15
